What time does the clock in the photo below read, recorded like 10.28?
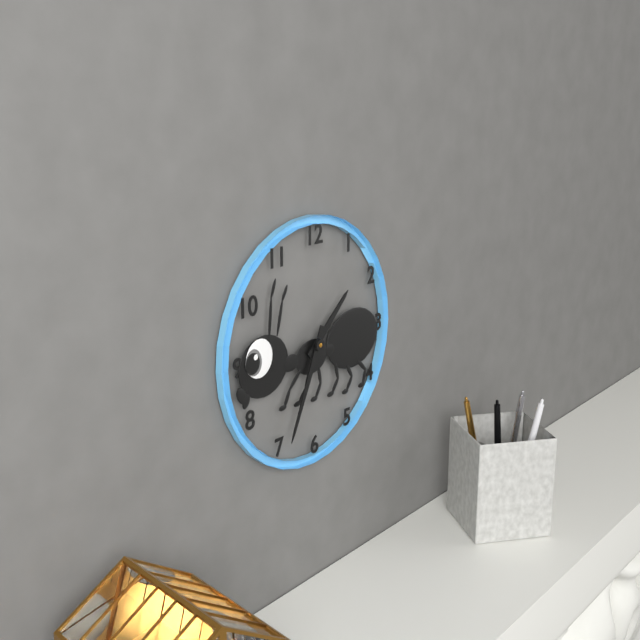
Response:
1.34
